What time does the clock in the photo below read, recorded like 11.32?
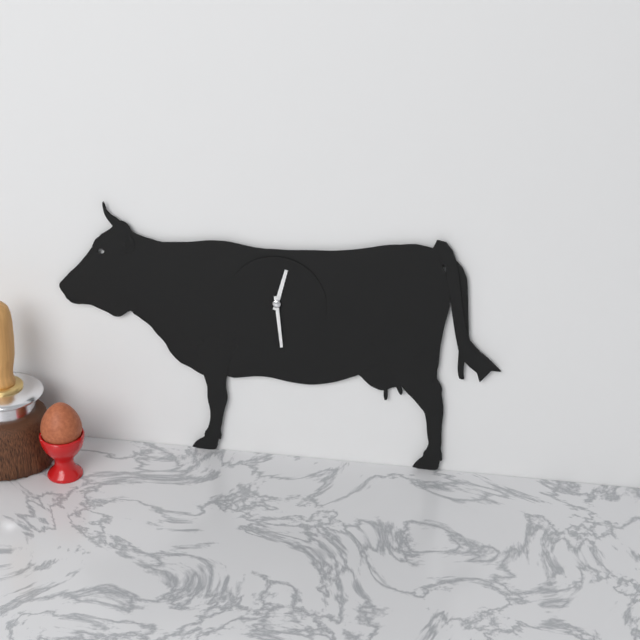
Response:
12.29
